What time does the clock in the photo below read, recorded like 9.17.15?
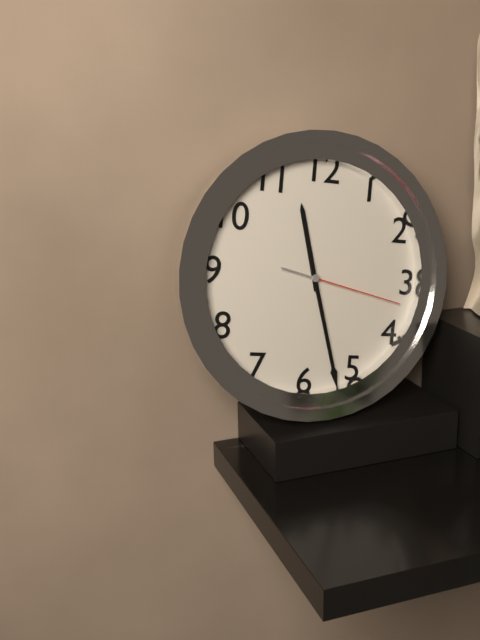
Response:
11.27.17
